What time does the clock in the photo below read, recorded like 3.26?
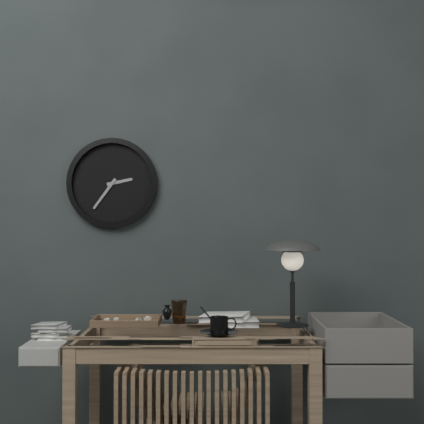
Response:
2.36
